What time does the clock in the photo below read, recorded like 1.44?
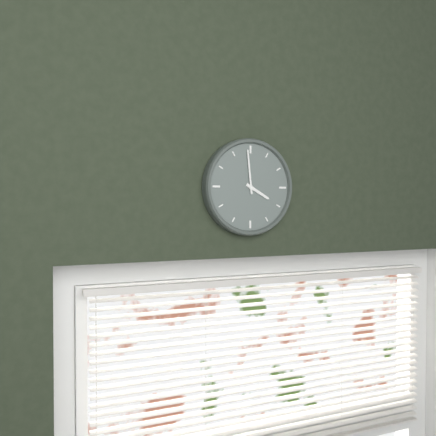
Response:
3.59
